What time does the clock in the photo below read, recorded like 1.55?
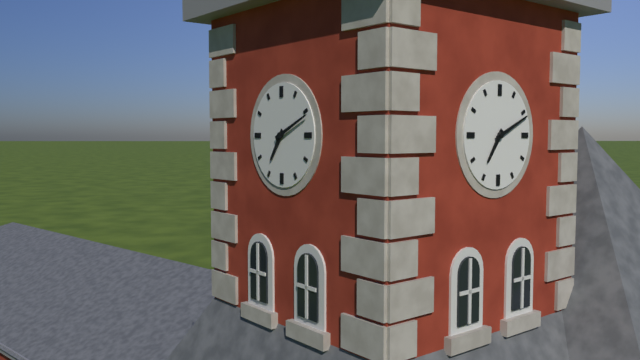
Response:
7.11
